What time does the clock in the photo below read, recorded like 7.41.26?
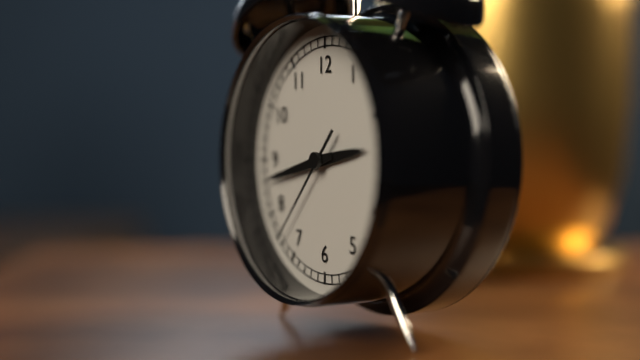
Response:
2.43.37
